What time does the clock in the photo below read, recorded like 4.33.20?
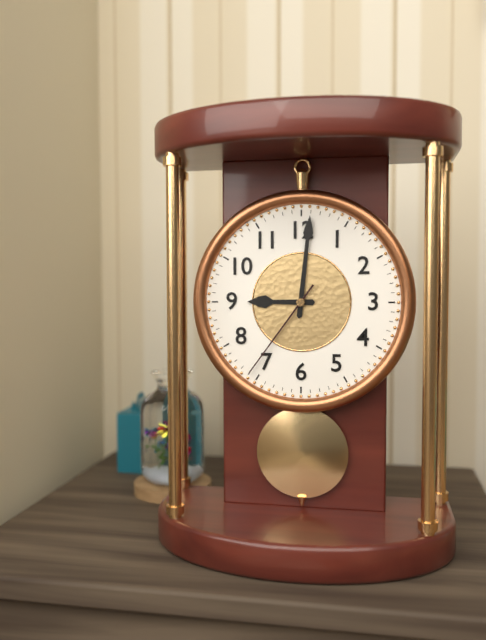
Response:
9.01.36
